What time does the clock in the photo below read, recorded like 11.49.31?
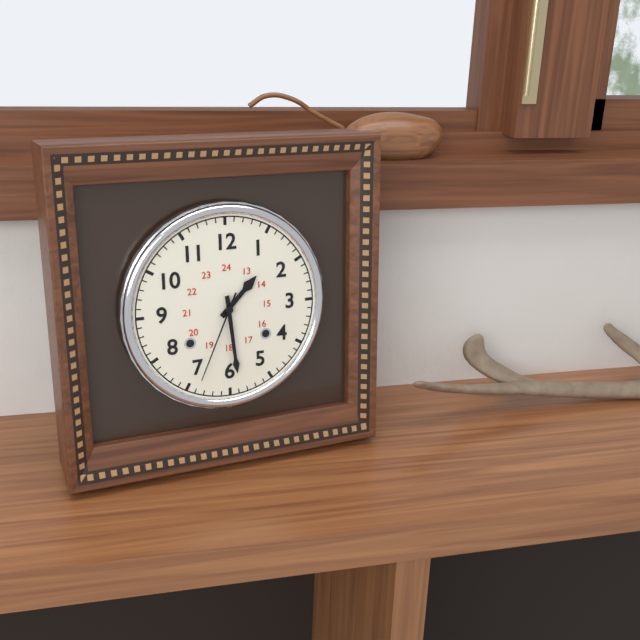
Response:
1.29.34
